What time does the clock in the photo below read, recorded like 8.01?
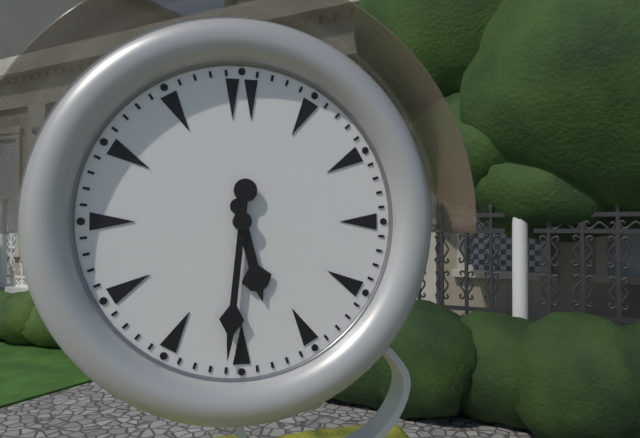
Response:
5.31
